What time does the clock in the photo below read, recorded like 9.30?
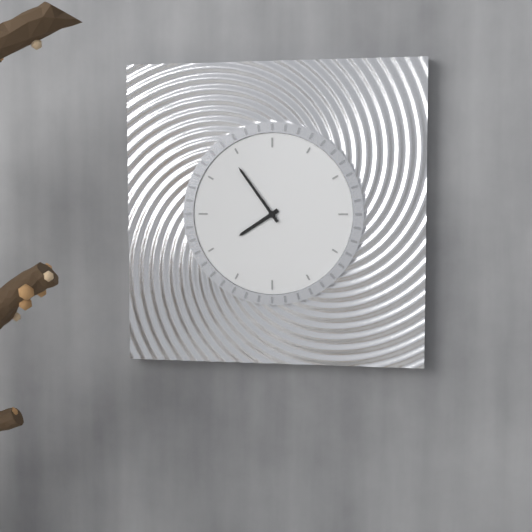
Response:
7.54
